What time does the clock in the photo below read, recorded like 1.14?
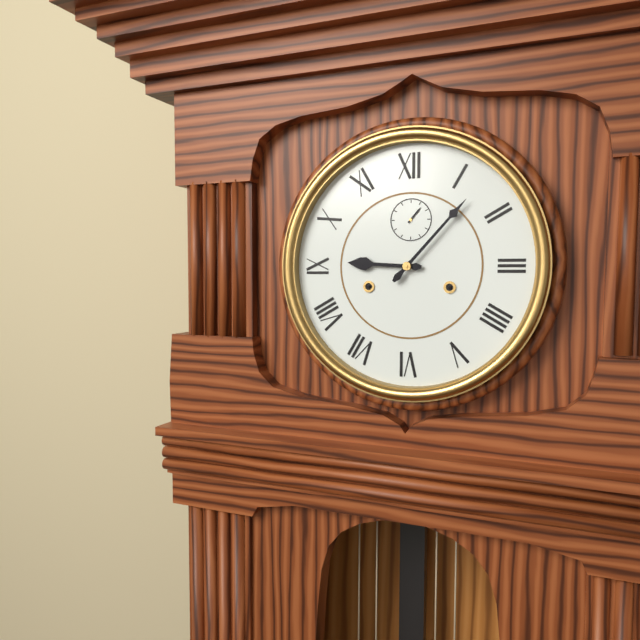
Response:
9.07
